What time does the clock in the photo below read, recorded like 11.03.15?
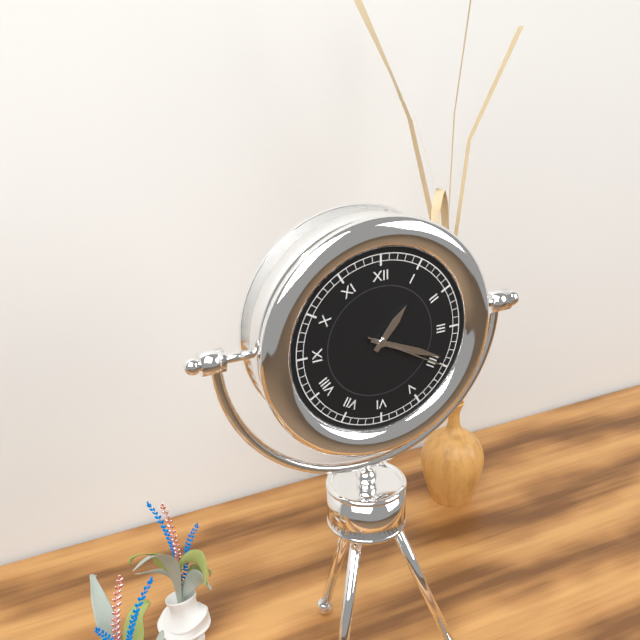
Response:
1.19.20
